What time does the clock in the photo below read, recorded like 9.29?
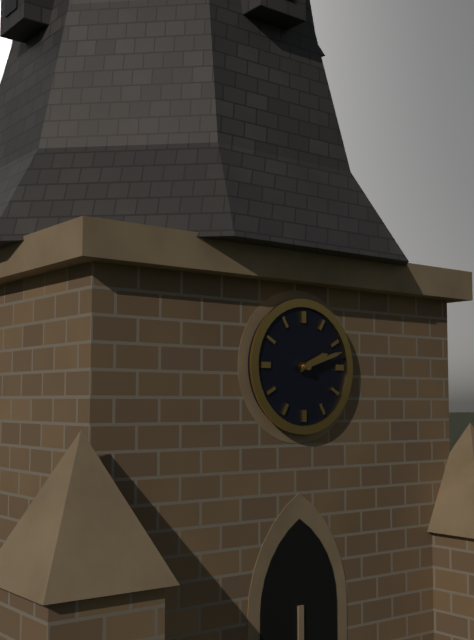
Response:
2.12
